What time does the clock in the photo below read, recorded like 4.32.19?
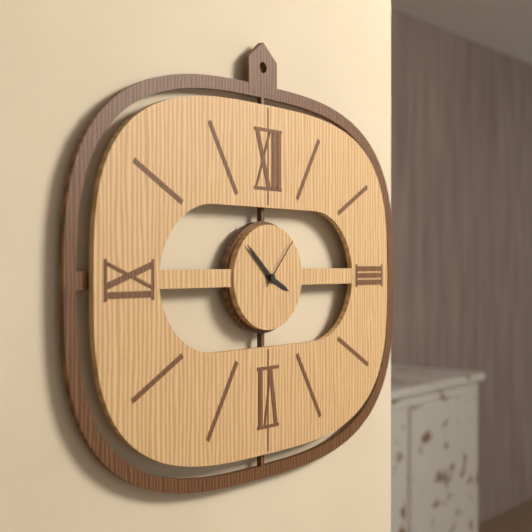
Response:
3.52.07
